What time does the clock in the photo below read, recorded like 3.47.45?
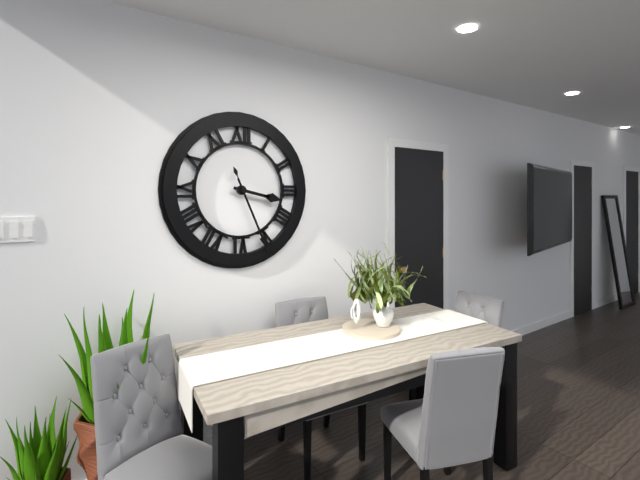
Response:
3.26.26
